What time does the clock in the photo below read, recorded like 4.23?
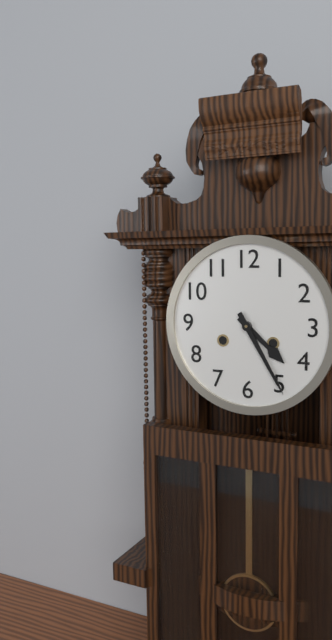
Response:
4.25
